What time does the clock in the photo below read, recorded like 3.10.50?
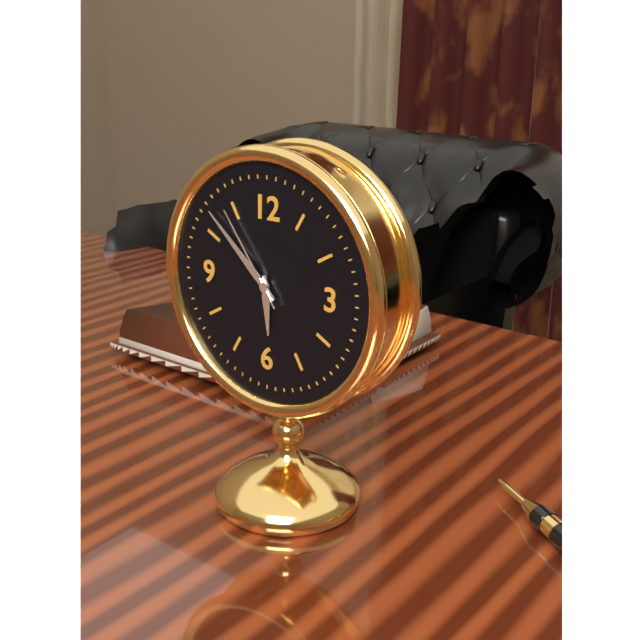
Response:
5.52.54
